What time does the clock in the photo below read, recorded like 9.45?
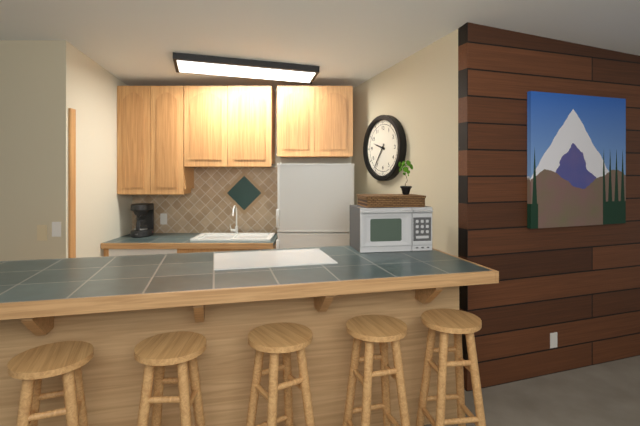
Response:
9.36
